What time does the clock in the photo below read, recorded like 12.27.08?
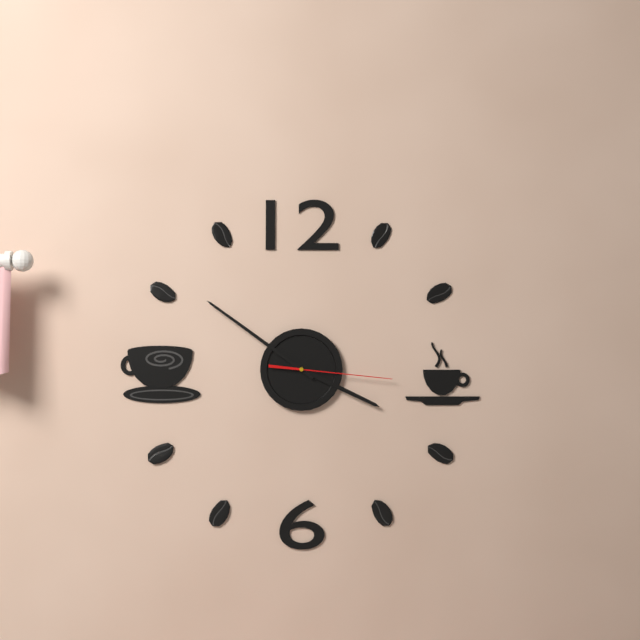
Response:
3.51.16
